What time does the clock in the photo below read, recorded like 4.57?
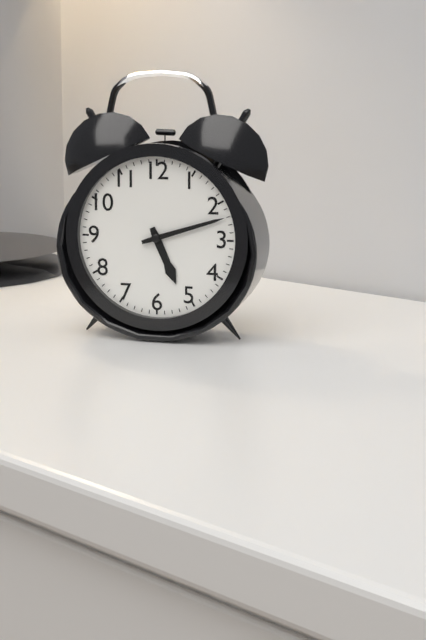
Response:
5.12
